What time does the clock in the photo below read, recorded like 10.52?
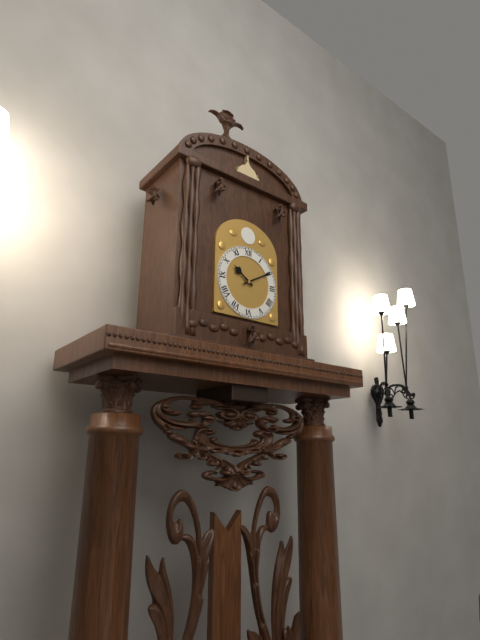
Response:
10.10
